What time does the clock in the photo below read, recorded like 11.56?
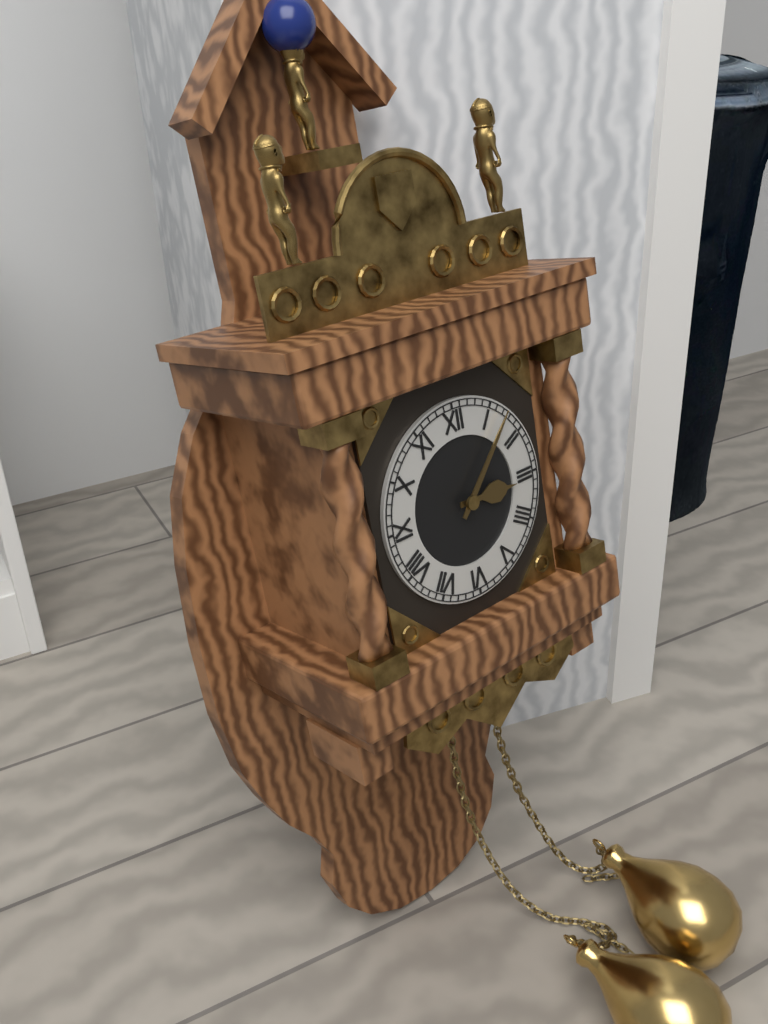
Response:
3.07
